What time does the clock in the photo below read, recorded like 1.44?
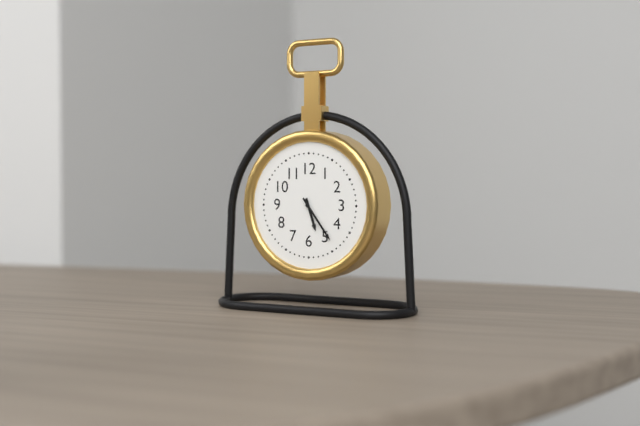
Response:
5.24
